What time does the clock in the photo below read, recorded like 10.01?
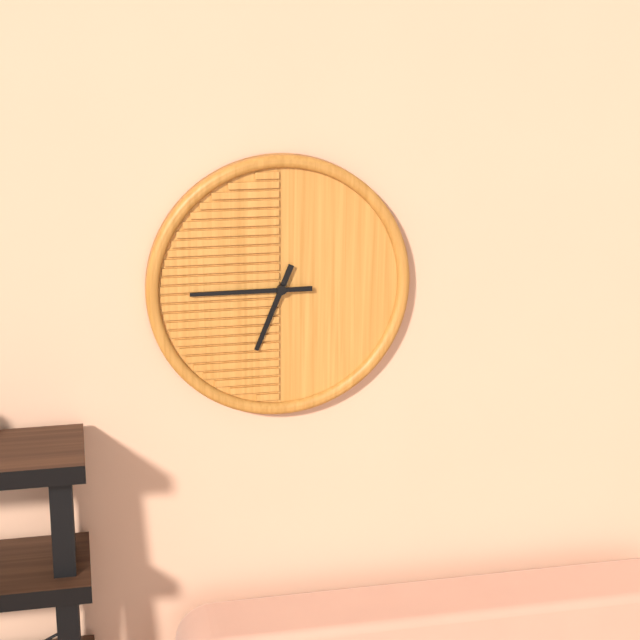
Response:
6.45
